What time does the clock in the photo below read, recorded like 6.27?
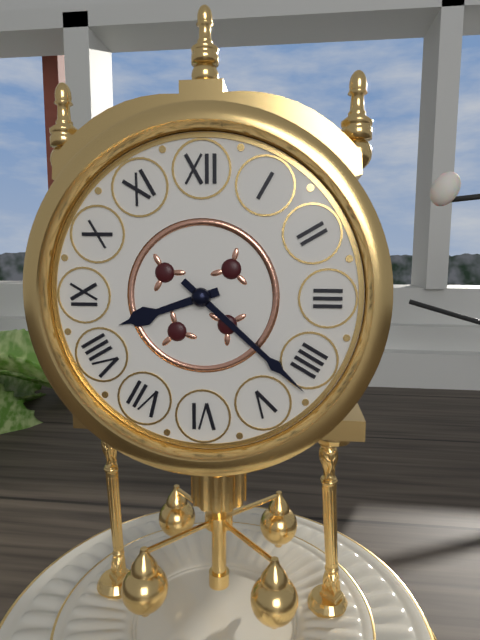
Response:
8.22
